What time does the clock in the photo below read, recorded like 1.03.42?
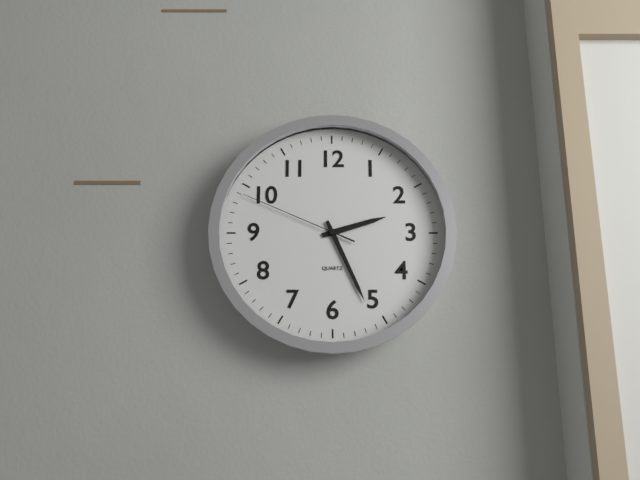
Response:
2.26.49
